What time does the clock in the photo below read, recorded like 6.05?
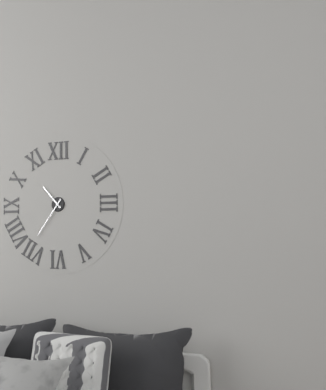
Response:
10.36
